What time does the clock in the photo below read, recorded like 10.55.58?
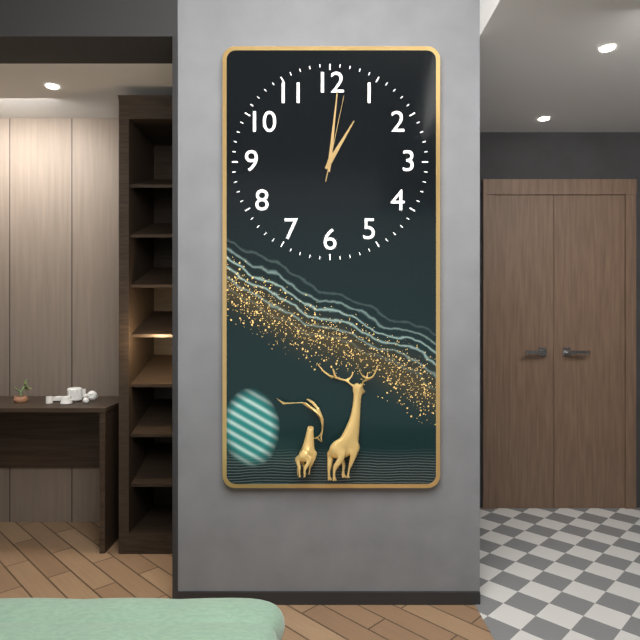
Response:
1.01.02
